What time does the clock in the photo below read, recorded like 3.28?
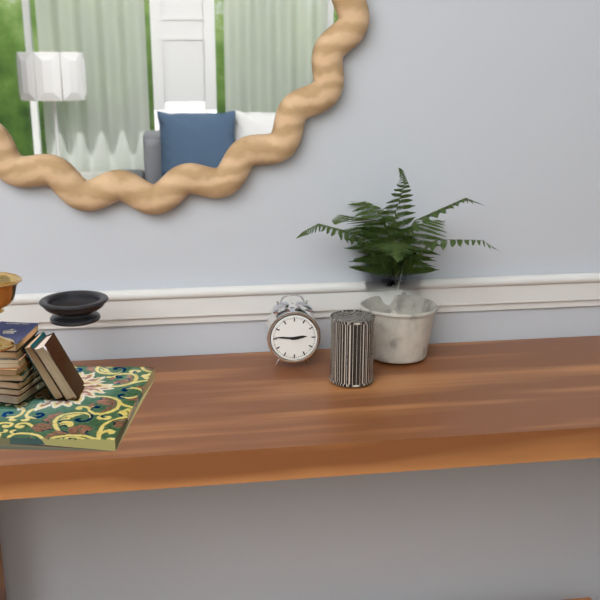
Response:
2.46
